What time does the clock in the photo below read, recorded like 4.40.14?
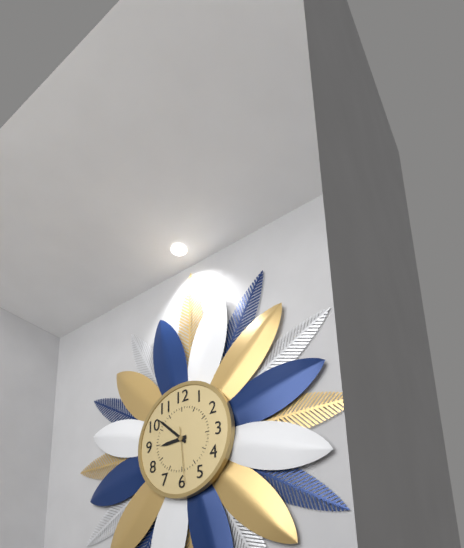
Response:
8.52.29
